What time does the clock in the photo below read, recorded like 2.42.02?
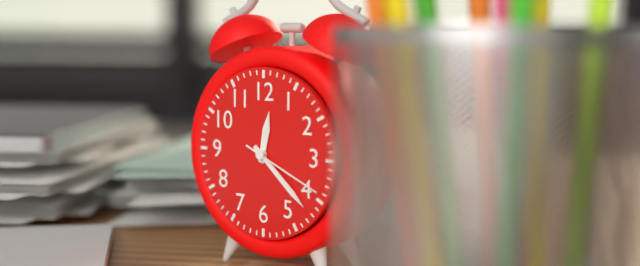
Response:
12.22.19
